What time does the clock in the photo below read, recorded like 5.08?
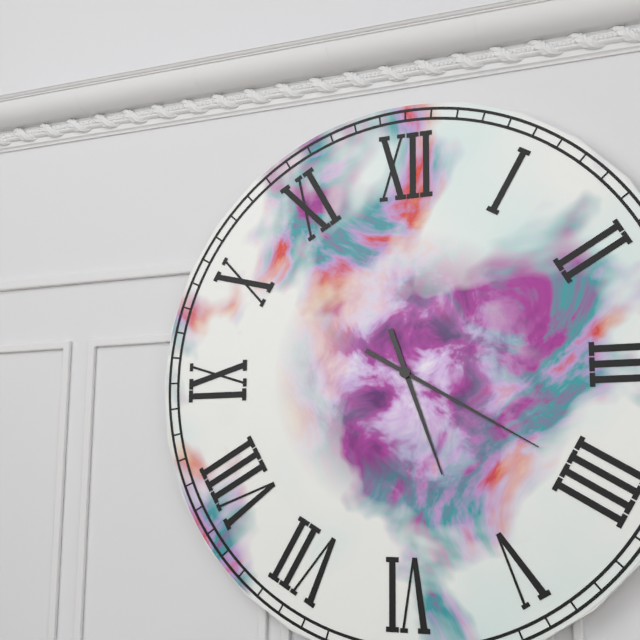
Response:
5.20
